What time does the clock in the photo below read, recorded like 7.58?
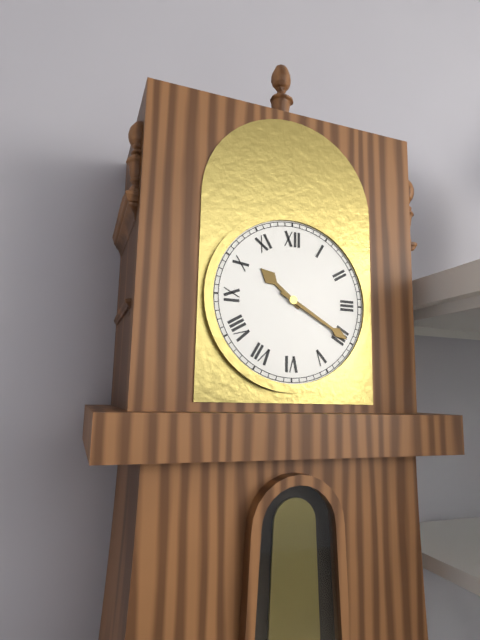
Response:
10.20
